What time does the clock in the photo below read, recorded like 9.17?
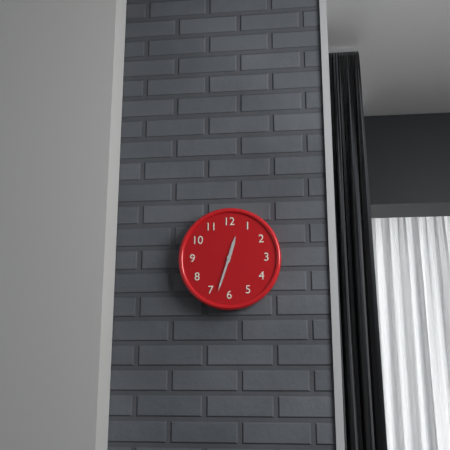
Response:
12.33
